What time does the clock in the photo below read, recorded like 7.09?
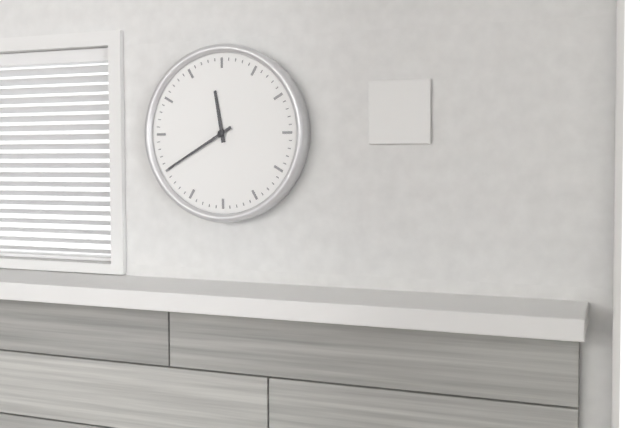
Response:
11.40
